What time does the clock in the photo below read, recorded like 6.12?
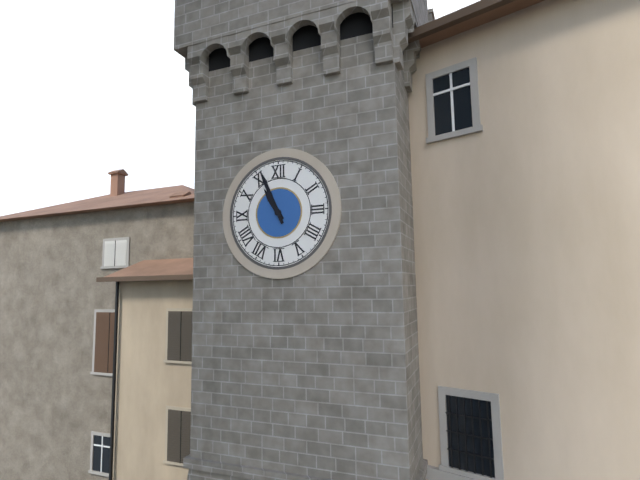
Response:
10.56
